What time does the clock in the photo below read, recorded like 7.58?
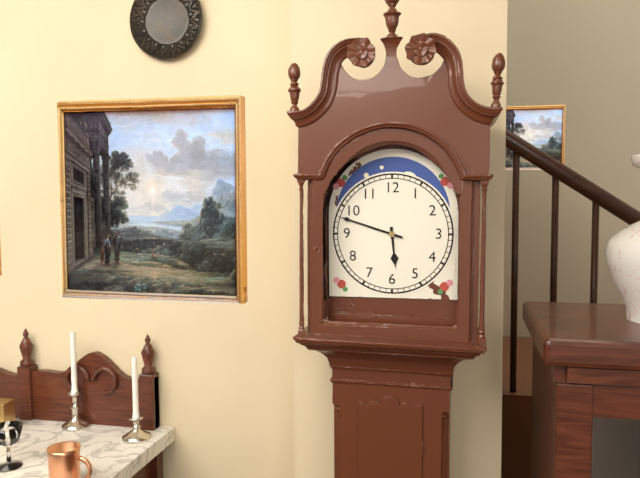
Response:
5.48
